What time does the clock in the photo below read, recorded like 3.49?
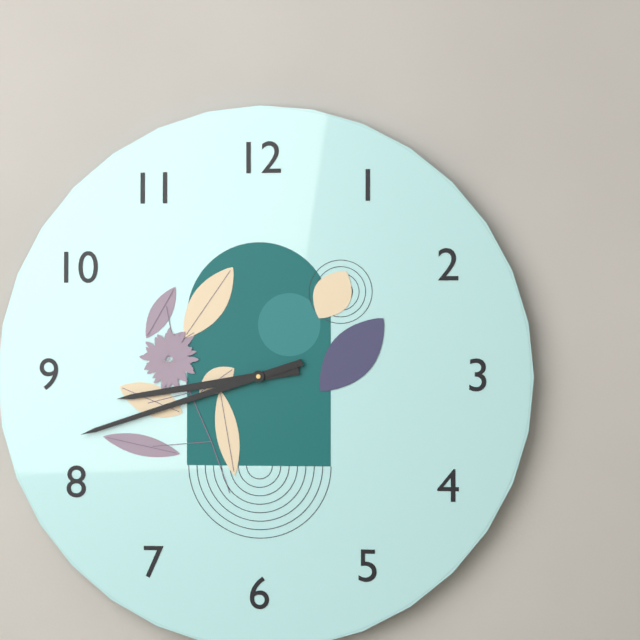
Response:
8.42
